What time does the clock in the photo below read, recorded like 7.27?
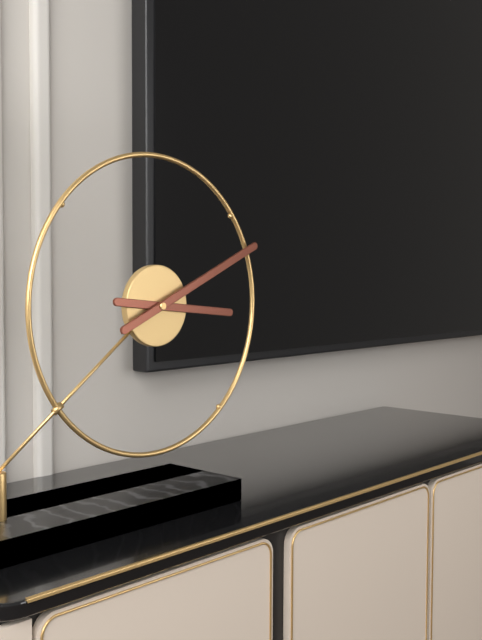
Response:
3.11
